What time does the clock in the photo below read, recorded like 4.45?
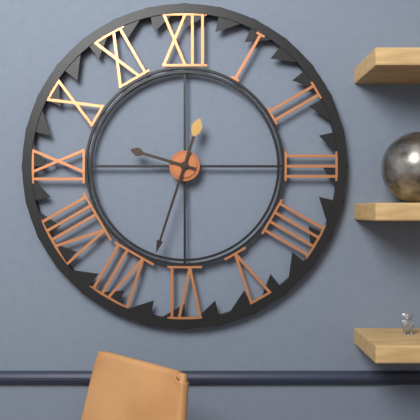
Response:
9.33
